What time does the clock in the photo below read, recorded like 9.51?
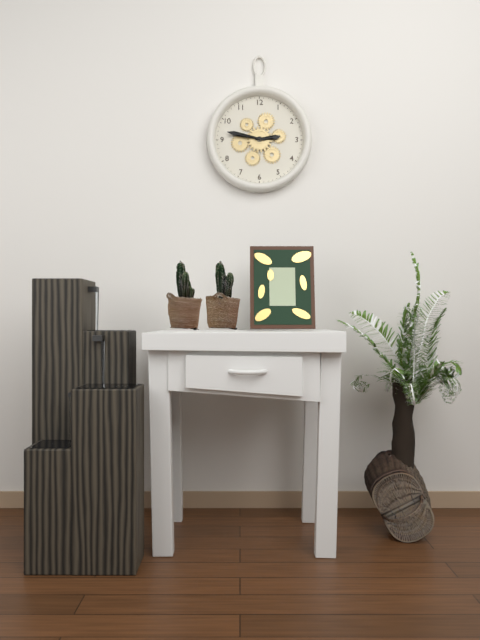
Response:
2.47
